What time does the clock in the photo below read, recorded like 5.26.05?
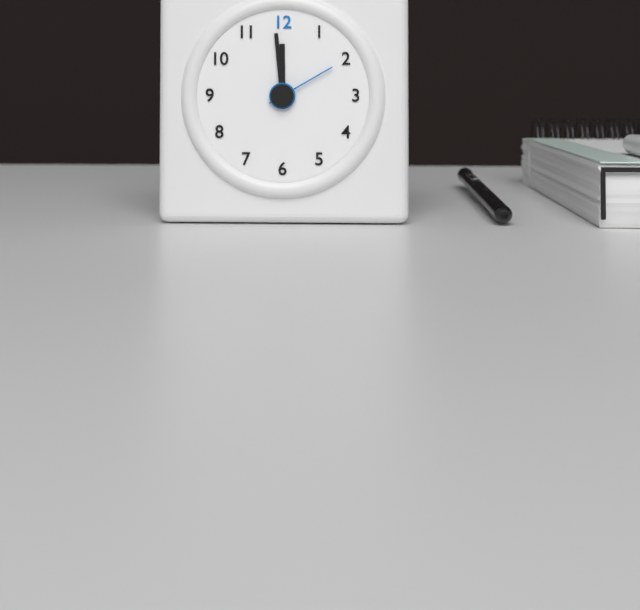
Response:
11.59.10
